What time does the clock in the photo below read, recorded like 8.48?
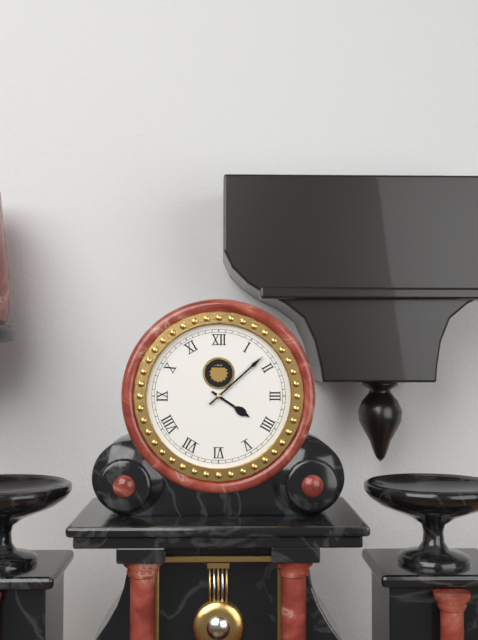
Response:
4.08
